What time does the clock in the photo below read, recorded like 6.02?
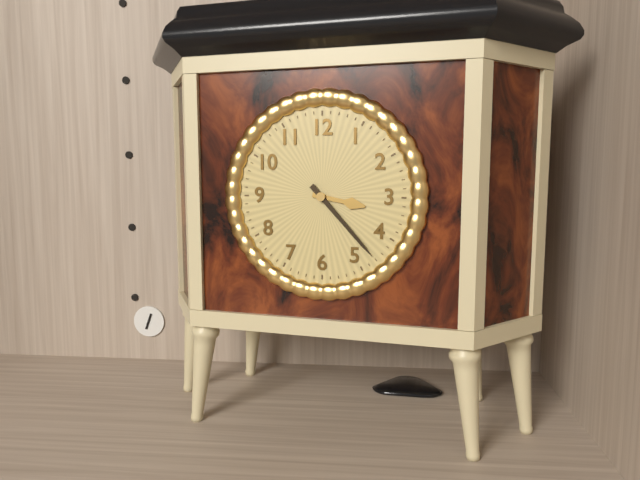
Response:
3.23
